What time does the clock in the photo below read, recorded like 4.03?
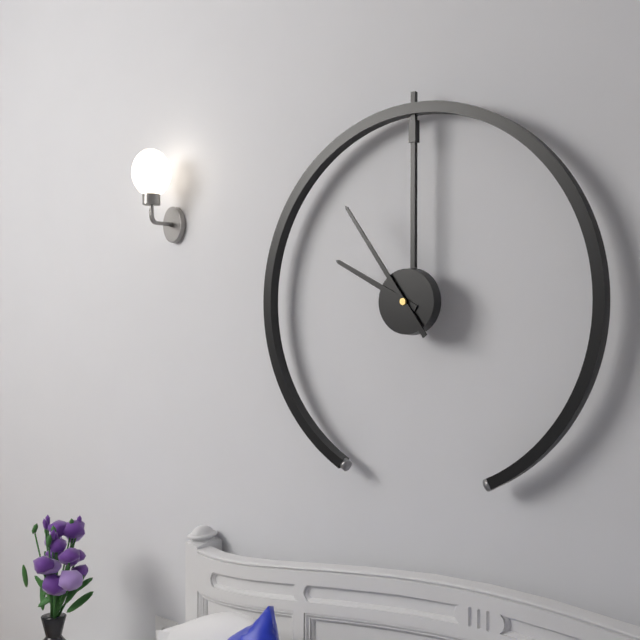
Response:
9.54
